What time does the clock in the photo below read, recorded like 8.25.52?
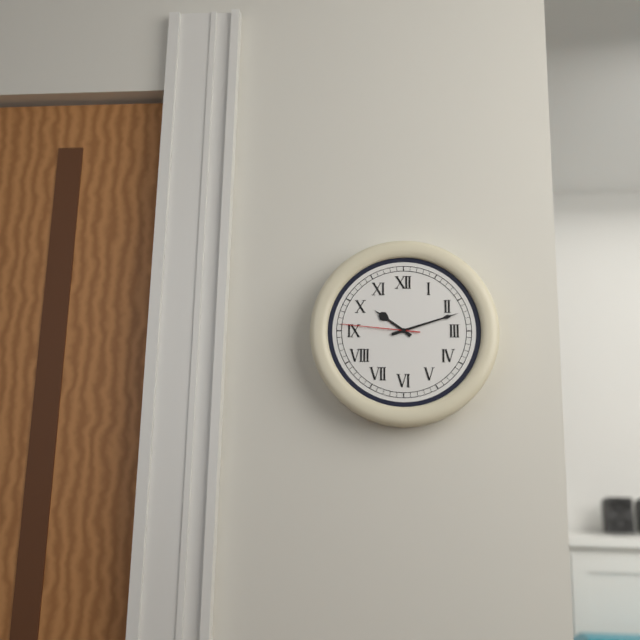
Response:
10.12.46
